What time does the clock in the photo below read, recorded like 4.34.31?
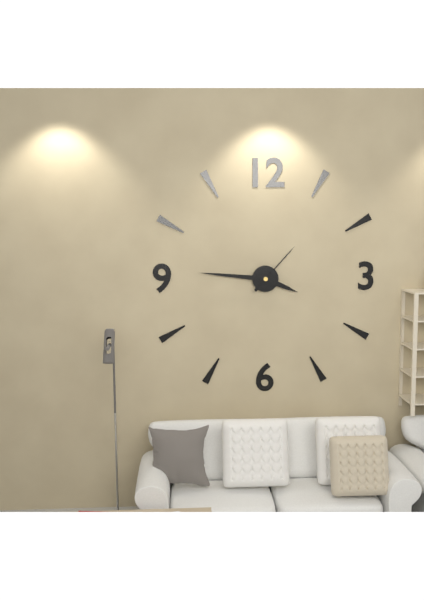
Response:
3.46.07
